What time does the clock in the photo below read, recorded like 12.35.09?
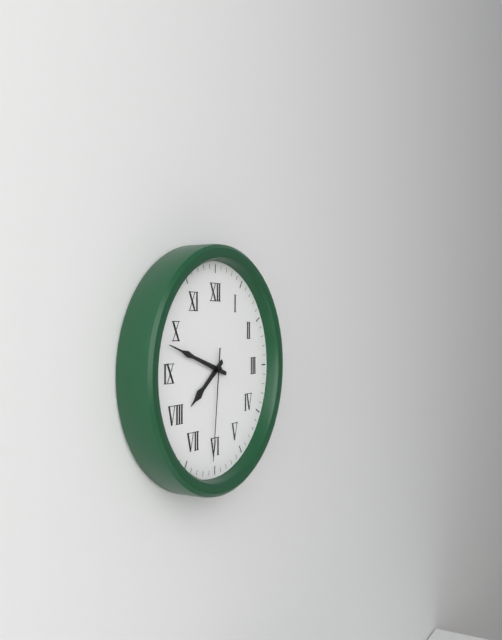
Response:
7.48.31
